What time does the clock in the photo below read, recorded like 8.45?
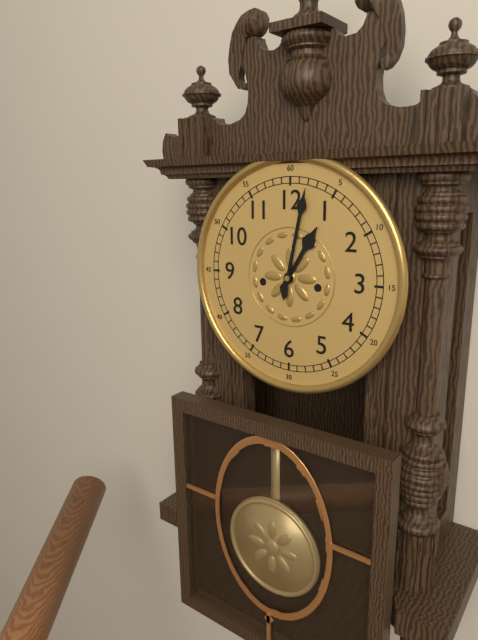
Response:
1.02
